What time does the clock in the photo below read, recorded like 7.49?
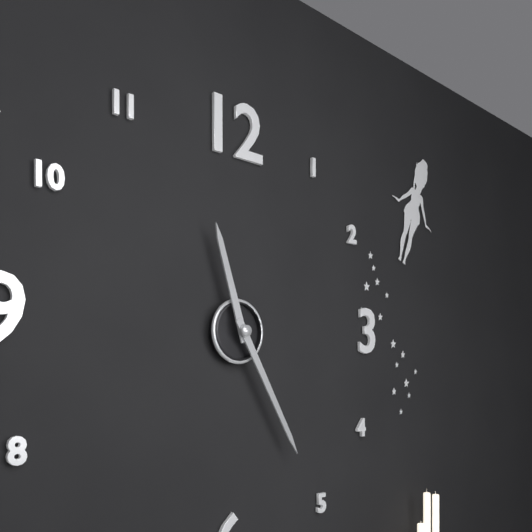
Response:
11.25
